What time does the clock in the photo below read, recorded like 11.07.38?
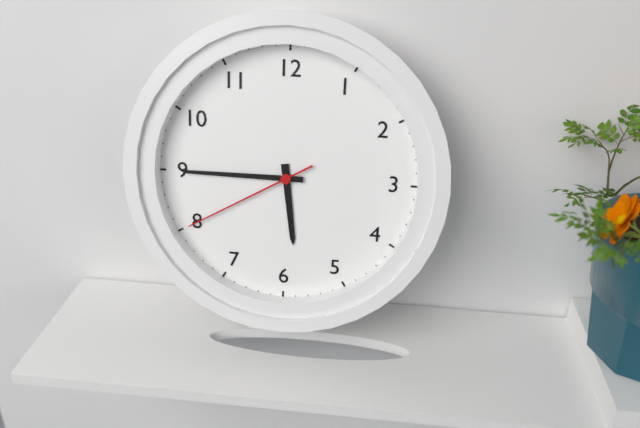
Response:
5.45.40
